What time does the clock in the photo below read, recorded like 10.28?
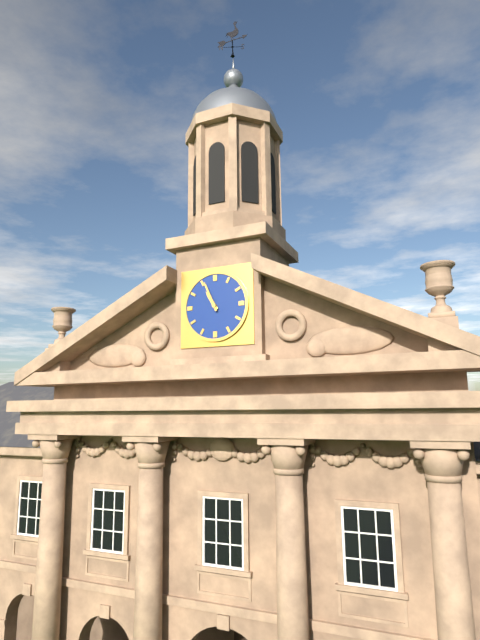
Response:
10.56
